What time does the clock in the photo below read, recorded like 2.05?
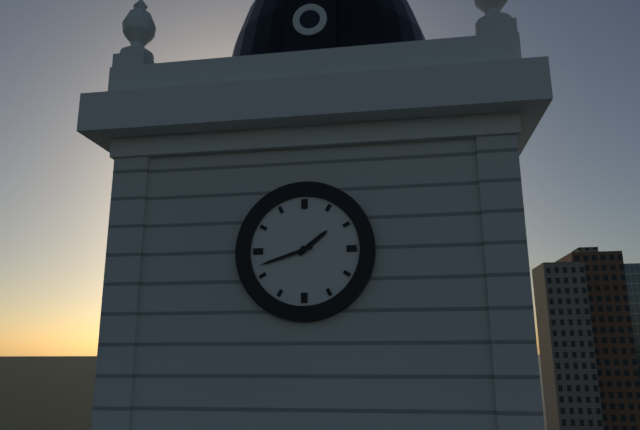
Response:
1.42
